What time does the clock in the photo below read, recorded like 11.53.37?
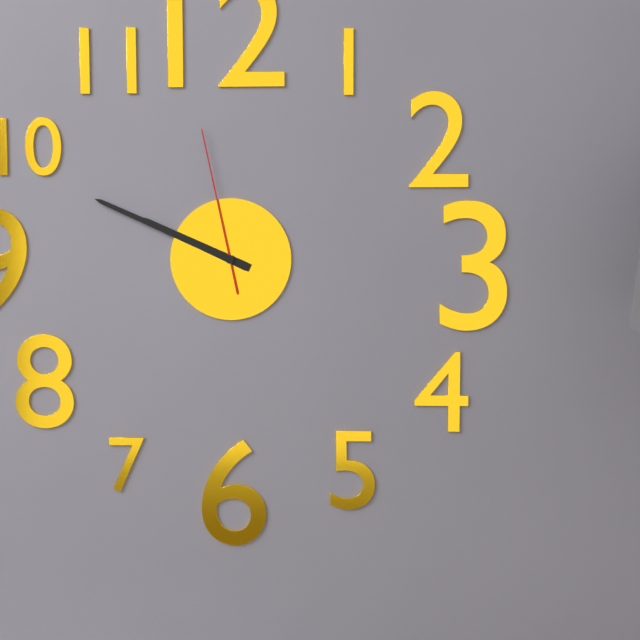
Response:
9.49.58
